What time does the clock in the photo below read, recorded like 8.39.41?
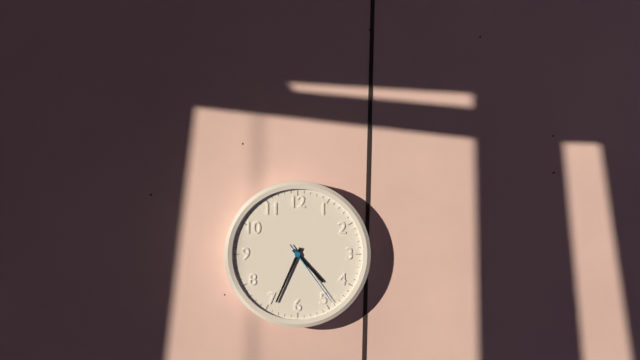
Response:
4.34.24
